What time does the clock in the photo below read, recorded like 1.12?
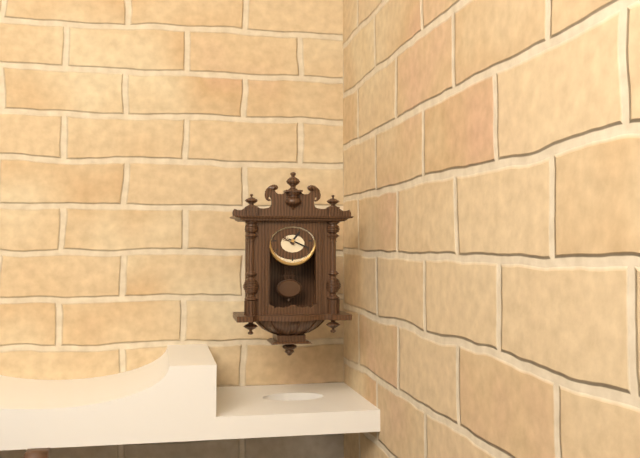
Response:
1.19
